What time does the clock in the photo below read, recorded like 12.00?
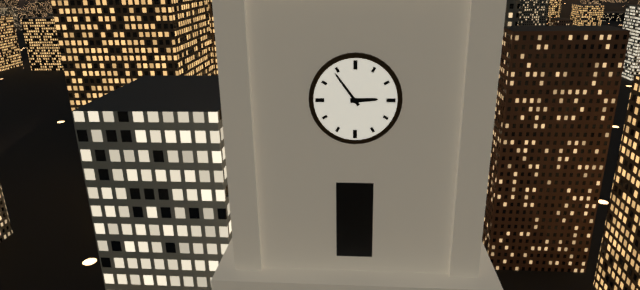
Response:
2.54
